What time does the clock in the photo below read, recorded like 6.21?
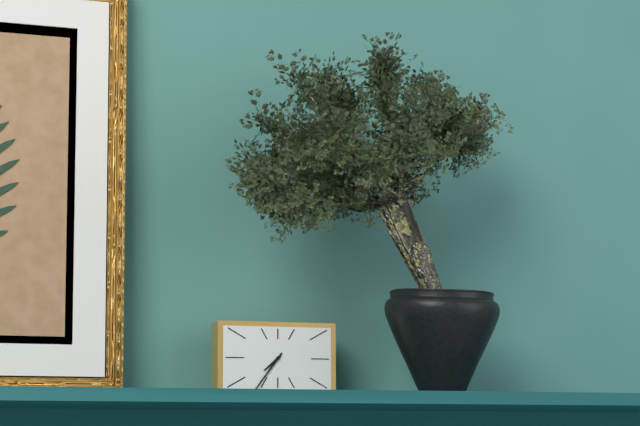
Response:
7.36
